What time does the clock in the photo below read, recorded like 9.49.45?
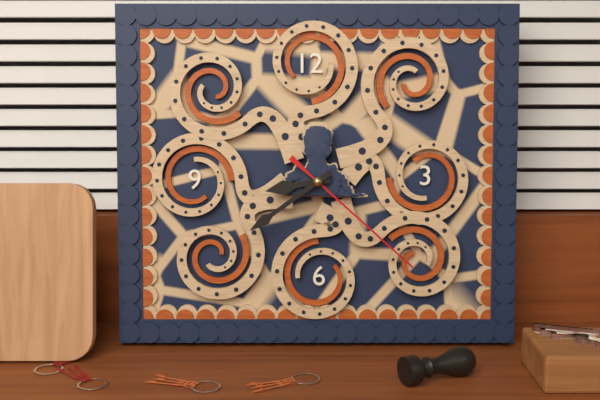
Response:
8.39.22
